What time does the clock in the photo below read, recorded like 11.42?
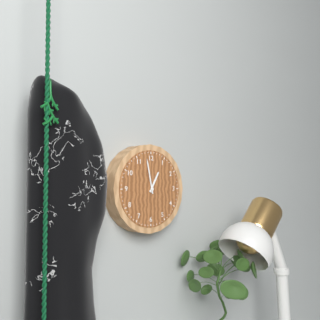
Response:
12.58
